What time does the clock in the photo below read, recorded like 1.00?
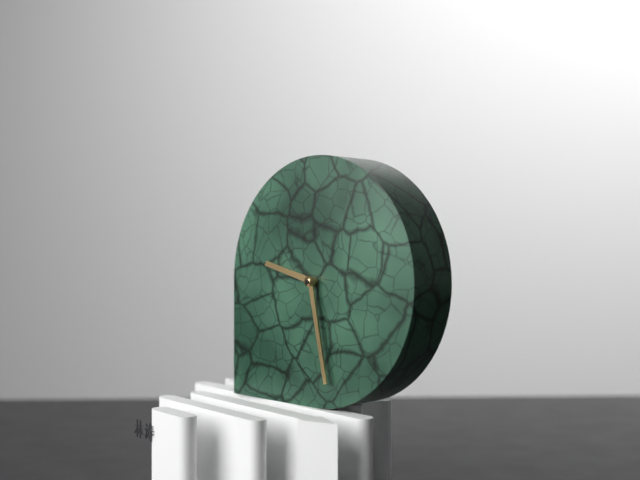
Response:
9.28
